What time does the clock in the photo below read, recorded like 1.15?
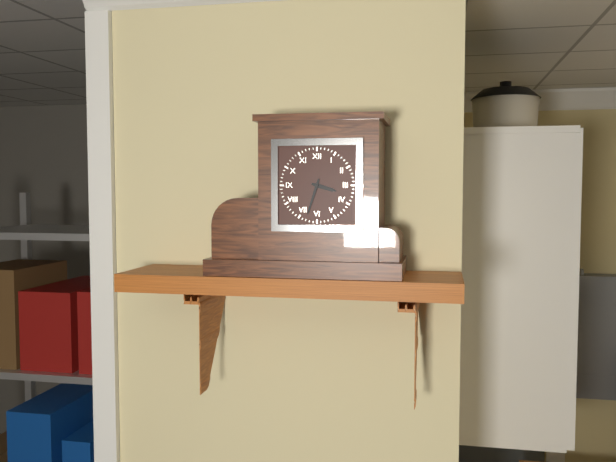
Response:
3.33
